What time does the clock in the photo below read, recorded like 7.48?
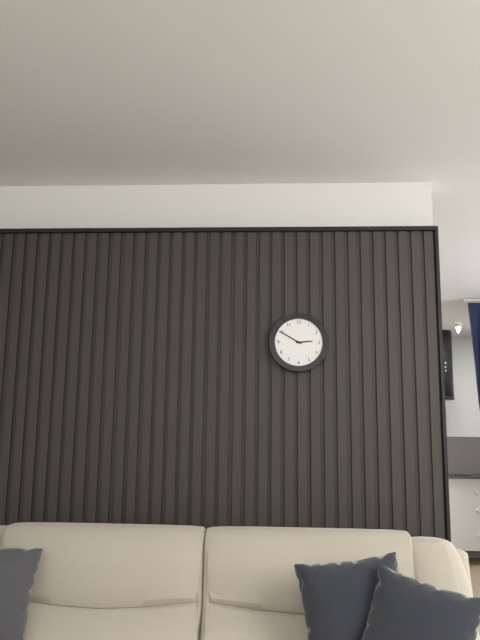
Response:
2.50
